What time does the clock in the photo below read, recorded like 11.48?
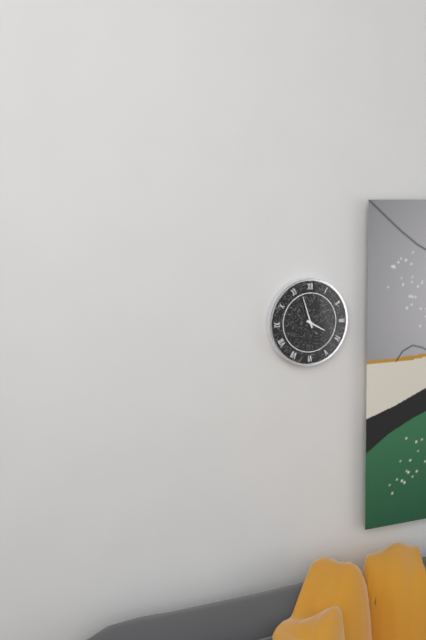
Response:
3.57
